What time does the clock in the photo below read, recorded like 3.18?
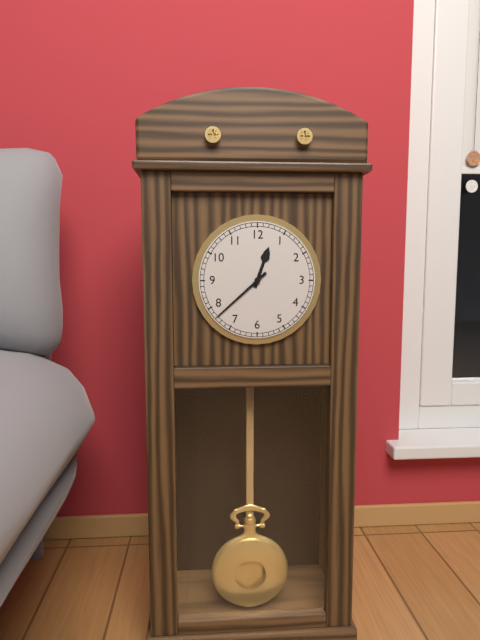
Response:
12.38
